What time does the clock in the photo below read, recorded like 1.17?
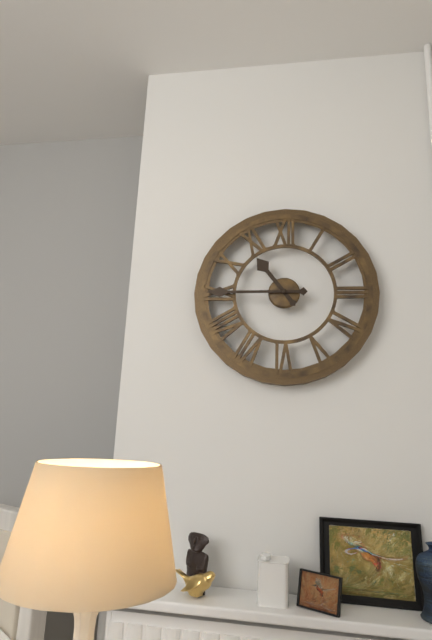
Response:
10.45
